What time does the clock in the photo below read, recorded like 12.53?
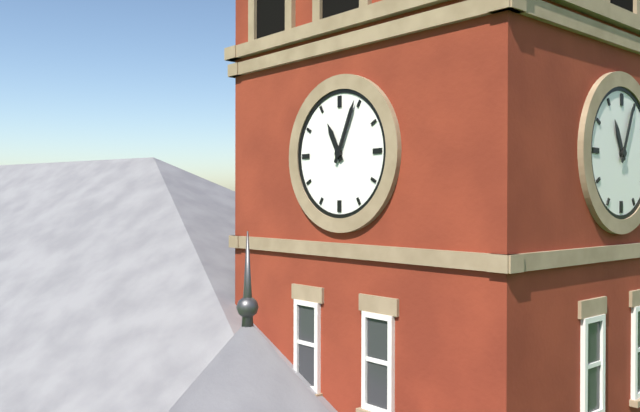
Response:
11.04
